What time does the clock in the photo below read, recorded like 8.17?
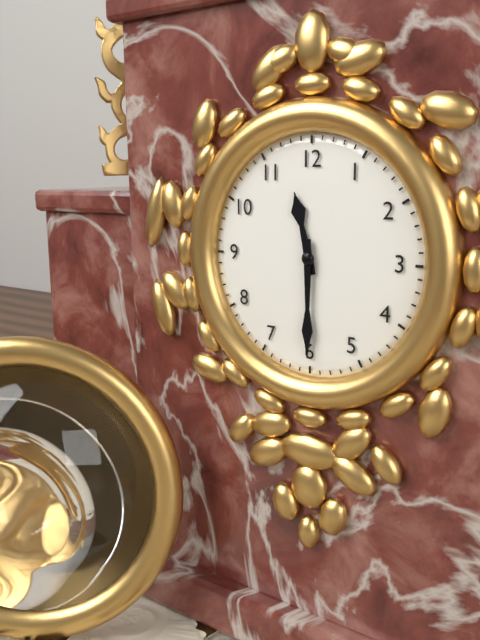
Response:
11.30
